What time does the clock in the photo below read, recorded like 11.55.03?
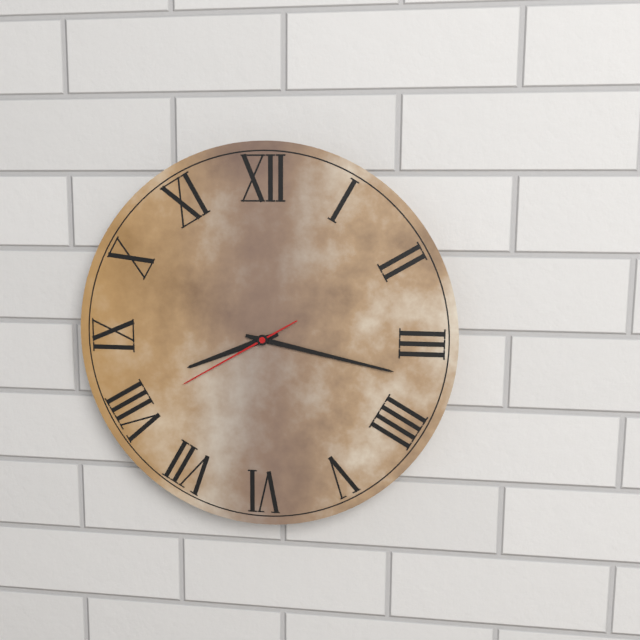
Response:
8.17.40
